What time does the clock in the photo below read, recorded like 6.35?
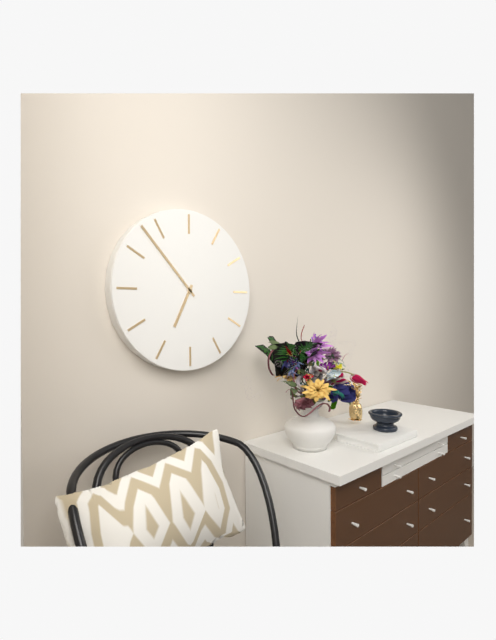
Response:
6.53
